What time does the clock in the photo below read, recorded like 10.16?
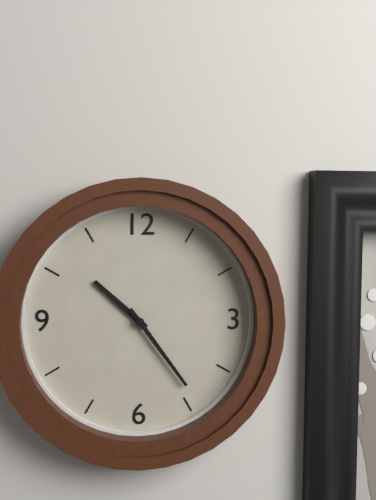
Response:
10.24
